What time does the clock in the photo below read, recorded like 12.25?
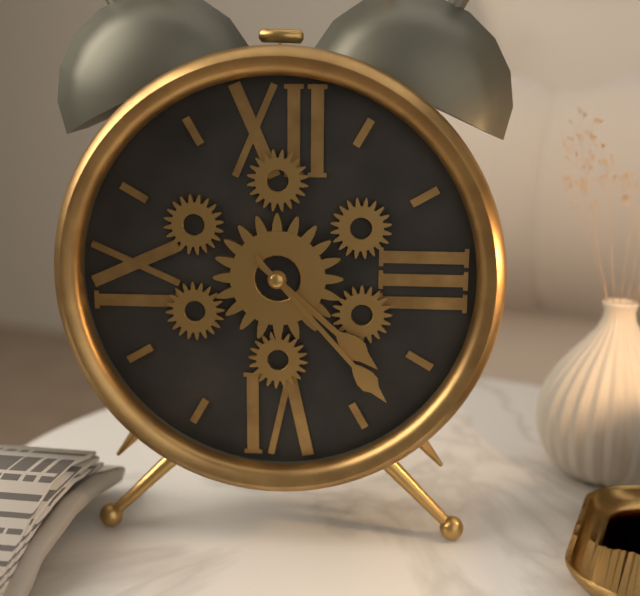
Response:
4.23
